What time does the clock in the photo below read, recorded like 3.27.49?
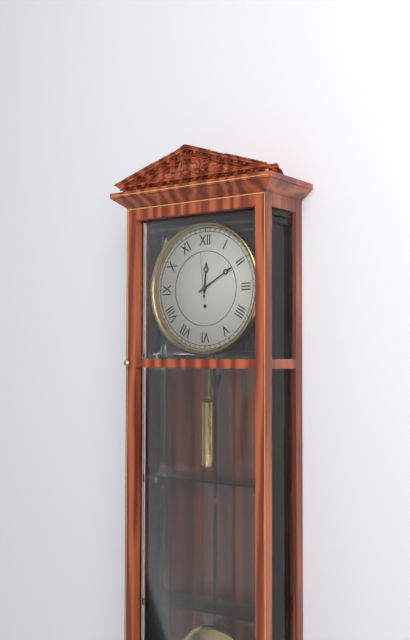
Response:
12.10.59
